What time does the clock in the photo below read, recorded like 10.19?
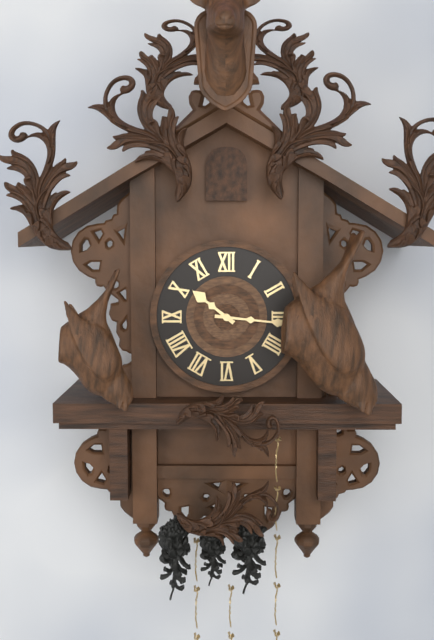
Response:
10.16
